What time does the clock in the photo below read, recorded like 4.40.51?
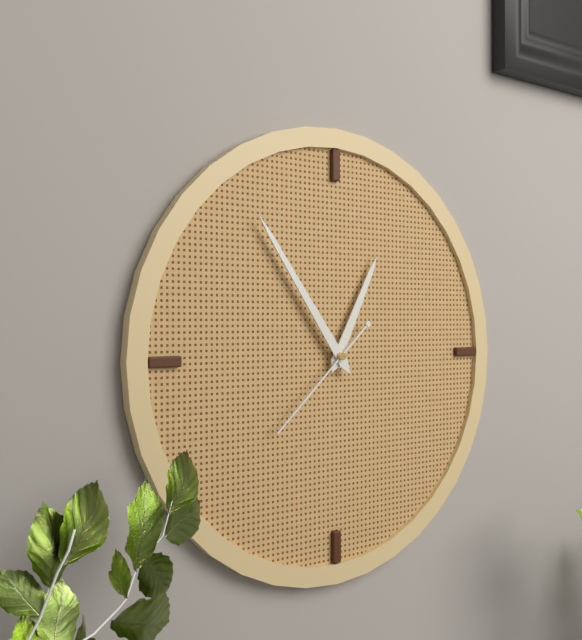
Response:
12.54.38
